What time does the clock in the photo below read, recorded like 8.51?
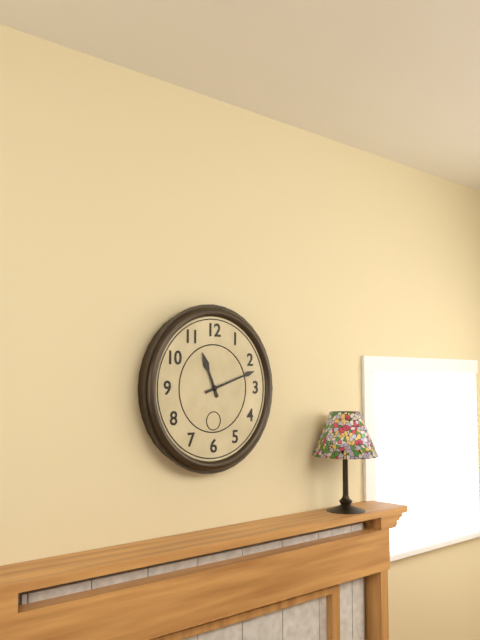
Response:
11.12
